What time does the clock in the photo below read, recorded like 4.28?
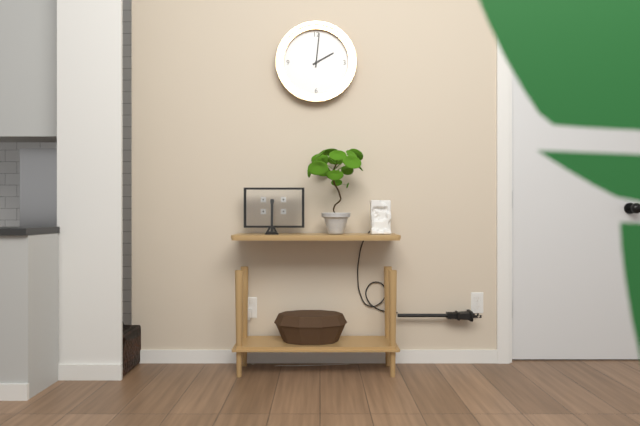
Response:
2.01
